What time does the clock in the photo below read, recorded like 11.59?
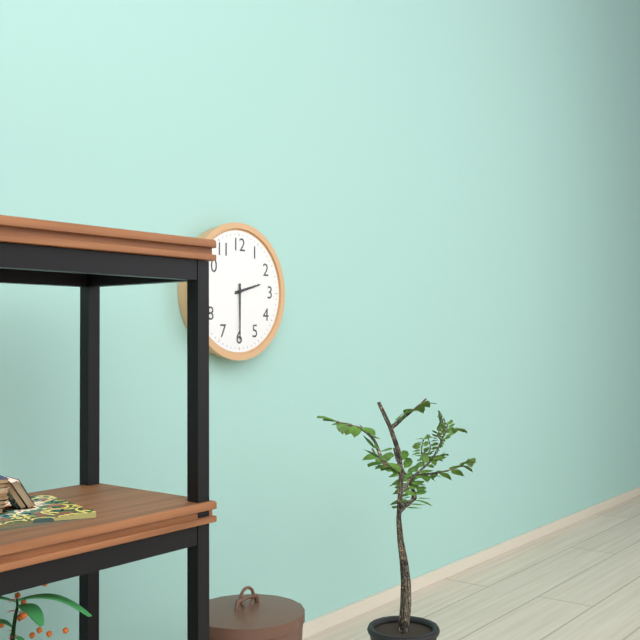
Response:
2.30
